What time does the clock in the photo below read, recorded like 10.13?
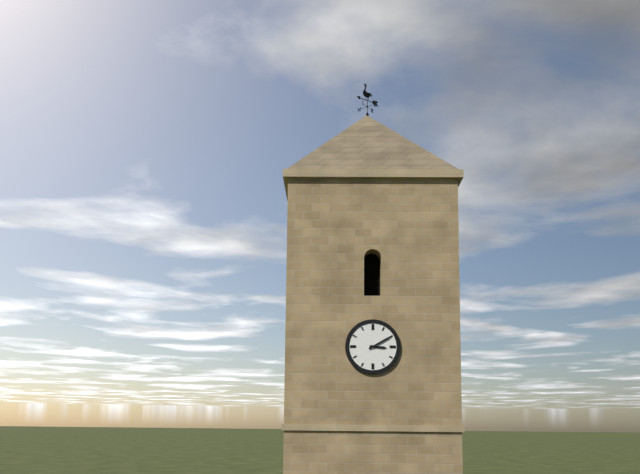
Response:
3.10
